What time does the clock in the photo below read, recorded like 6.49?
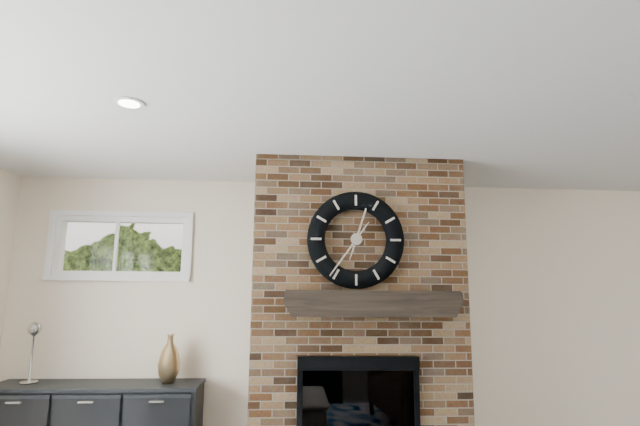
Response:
12.36
